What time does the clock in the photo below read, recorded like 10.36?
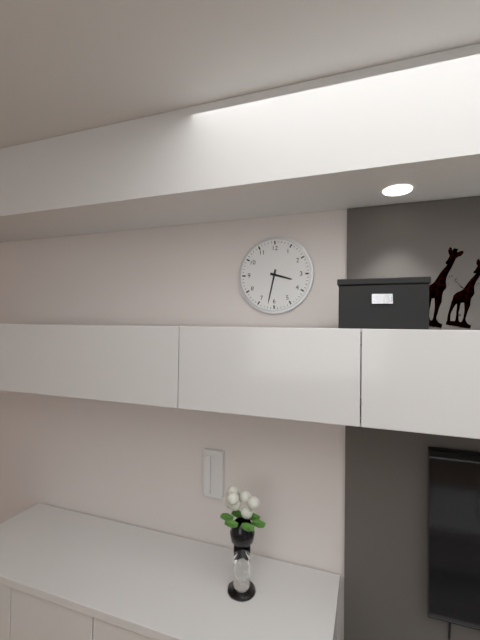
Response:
3.32
